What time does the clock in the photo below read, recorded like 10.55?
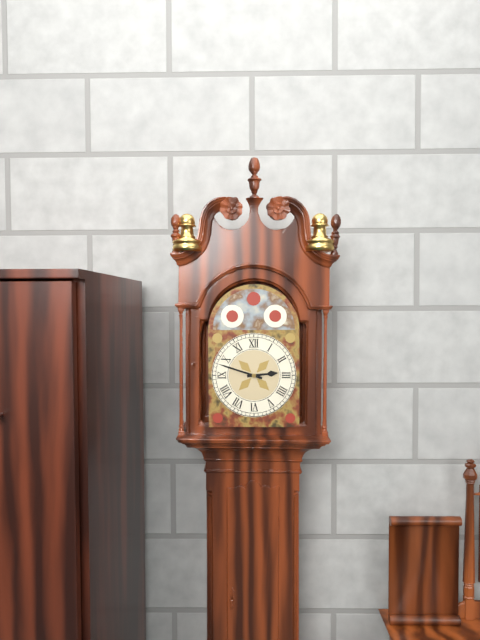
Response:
2.48
